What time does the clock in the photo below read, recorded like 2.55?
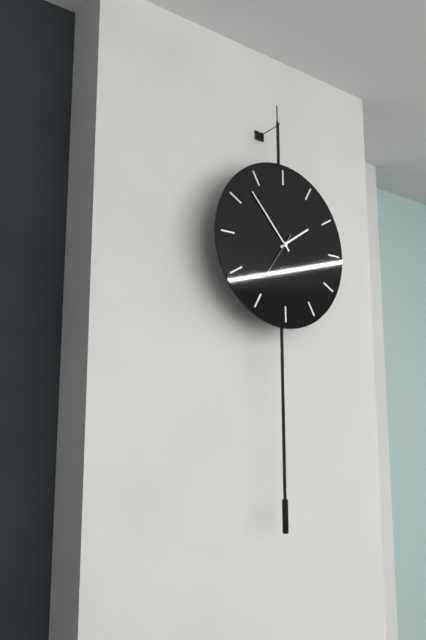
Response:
1.53
